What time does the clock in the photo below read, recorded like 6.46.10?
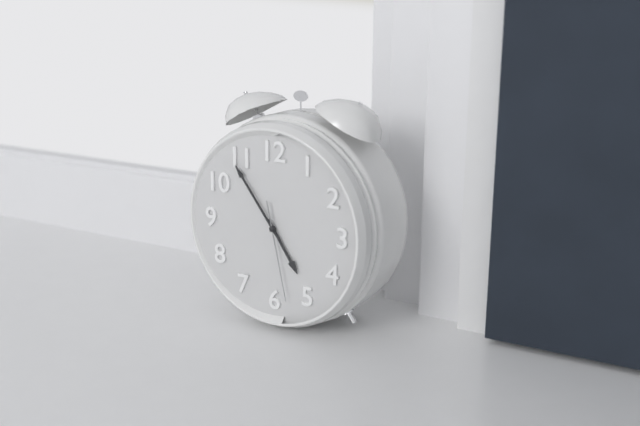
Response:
4.54.28
